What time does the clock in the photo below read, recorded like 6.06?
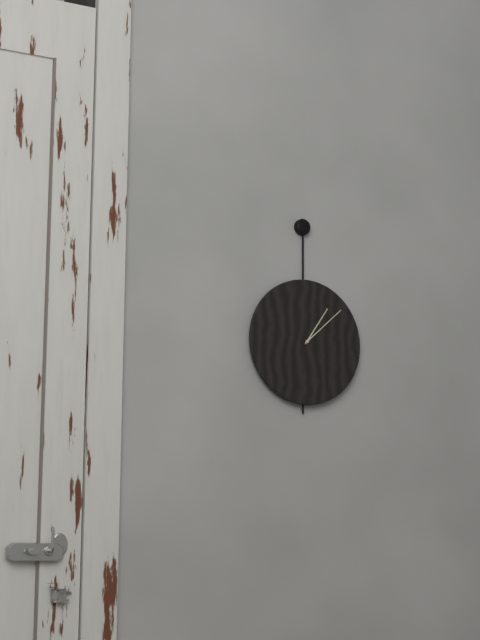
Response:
1.08
